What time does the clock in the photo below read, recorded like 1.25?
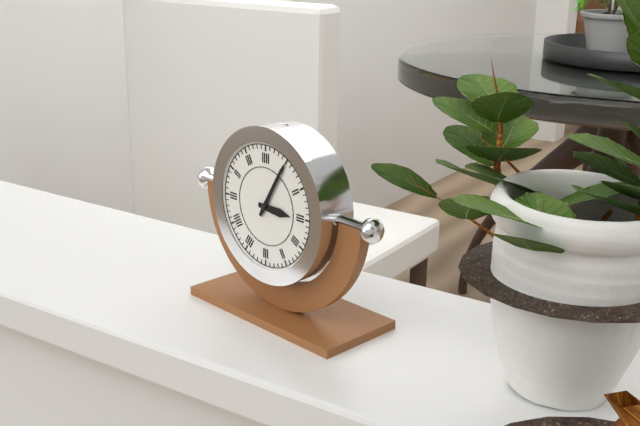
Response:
3.05
